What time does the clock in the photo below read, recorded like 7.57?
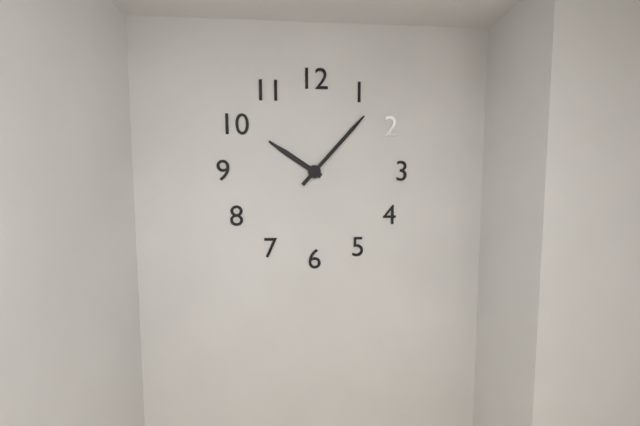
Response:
10.07
